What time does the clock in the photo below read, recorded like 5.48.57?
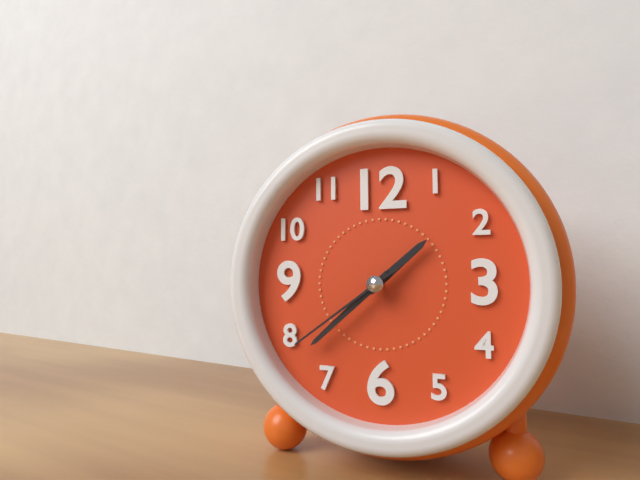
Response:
1.38.39
